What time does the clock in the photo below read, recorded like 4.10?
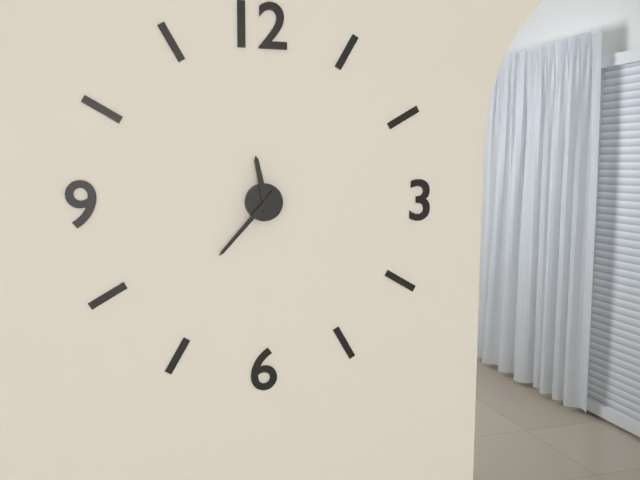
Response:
11.37
